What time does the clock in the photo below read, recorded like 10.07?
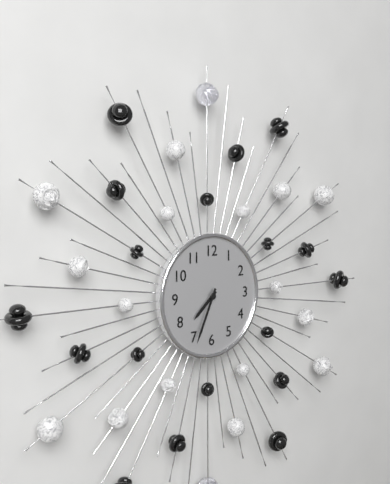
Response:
7.34
